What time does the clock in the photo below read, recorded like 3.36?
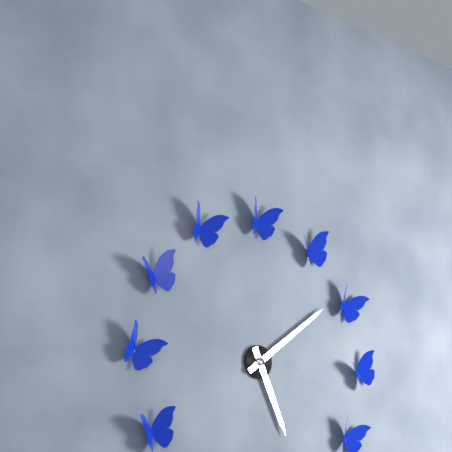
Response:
5.09
